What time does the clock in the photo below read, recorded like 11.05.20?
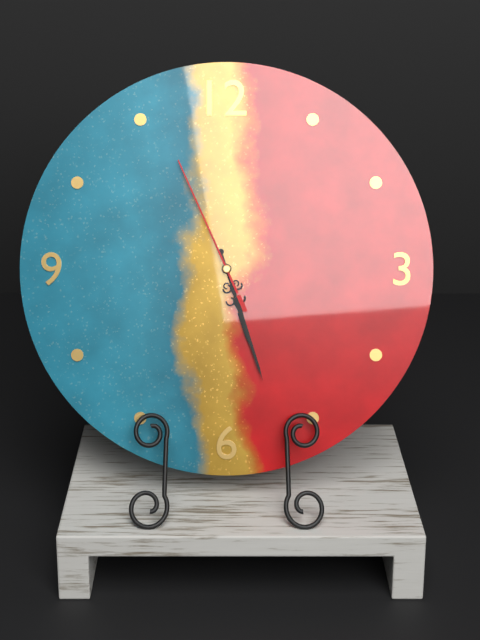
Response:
5.27.56
